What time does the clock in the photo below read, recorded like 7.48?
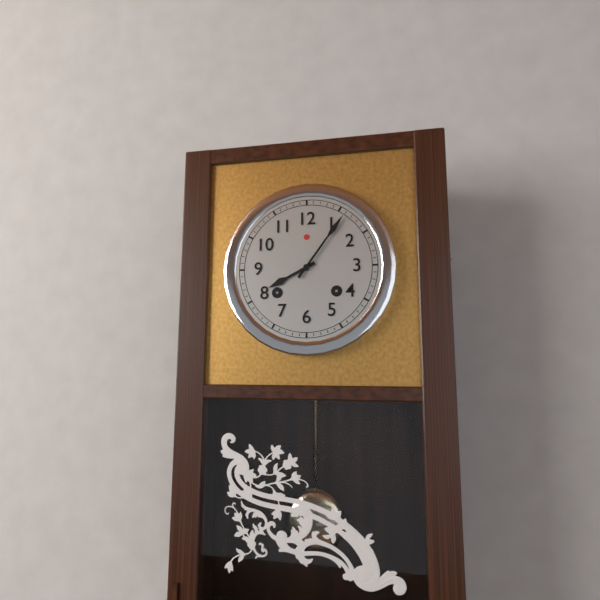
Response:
8.06
